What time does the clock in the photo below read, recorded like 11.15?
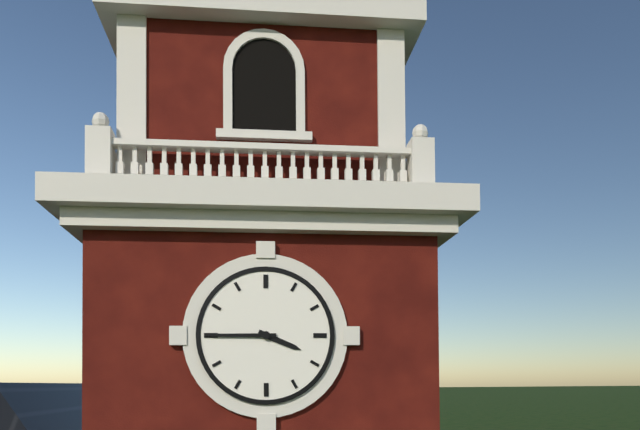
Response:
3.45
